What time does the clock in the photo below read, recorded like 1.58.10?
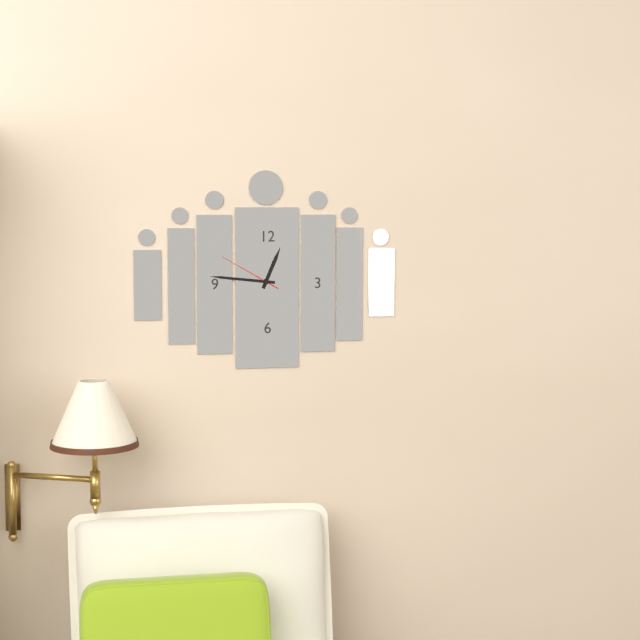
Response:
12.46.50
